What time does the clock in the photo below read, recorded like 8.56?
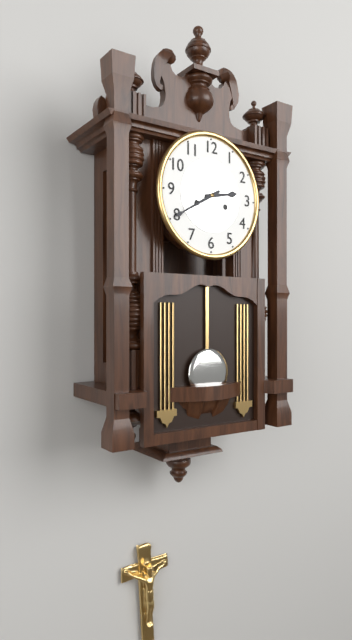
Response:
2.40
